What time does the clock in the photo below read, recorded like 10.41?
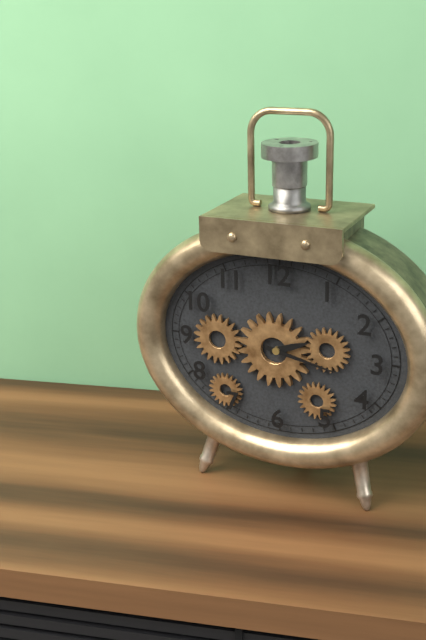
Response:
2.17
